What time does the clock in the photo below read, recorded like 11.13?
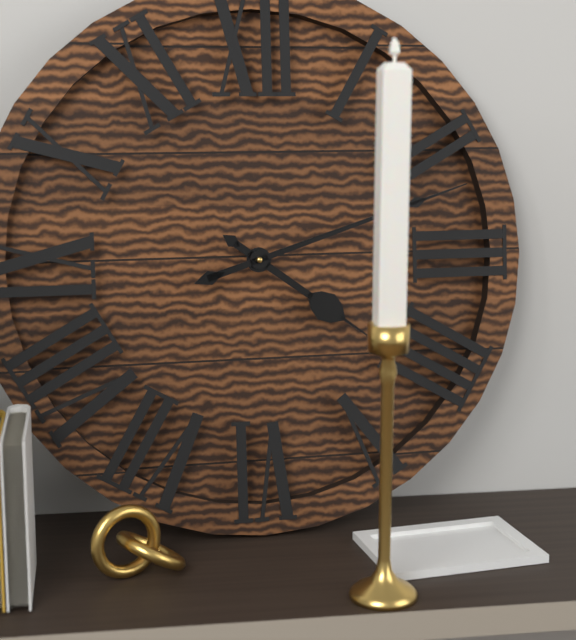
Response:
4.12
